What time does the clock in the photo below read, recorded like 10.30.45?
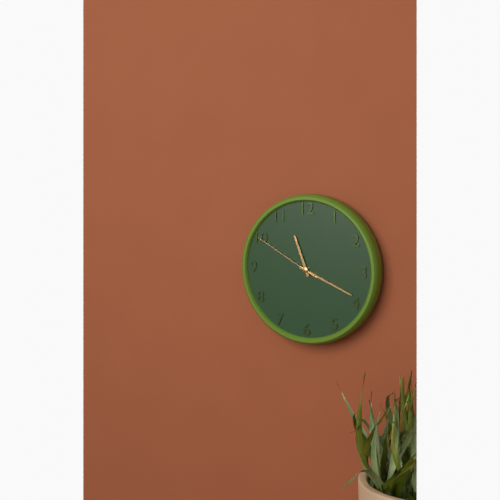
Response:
11.19.50
